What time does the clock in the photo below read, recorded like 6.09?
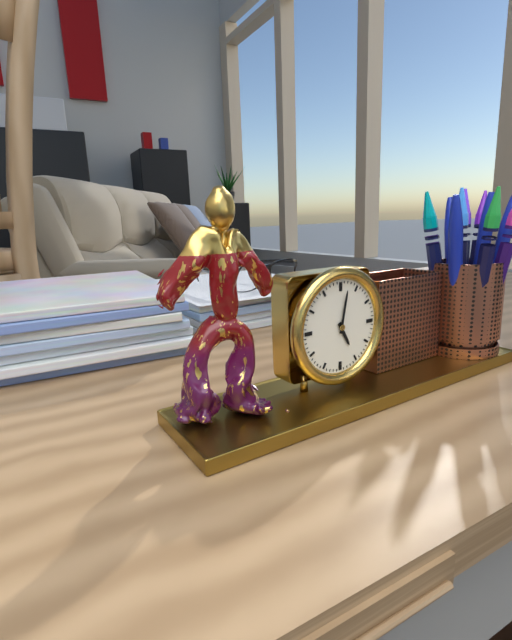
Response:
5.02
